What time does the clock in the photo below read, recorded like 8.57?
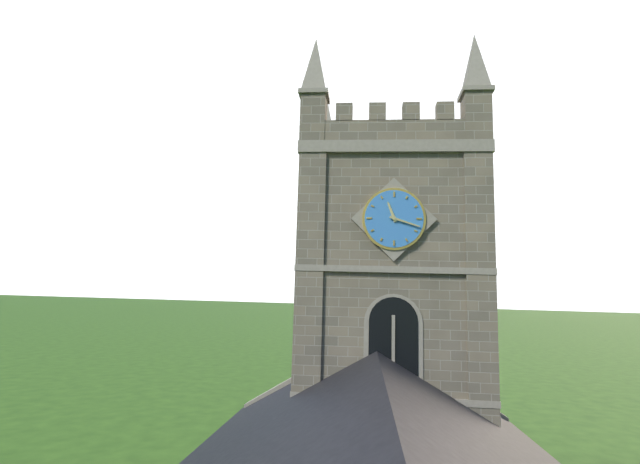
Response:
11.18
